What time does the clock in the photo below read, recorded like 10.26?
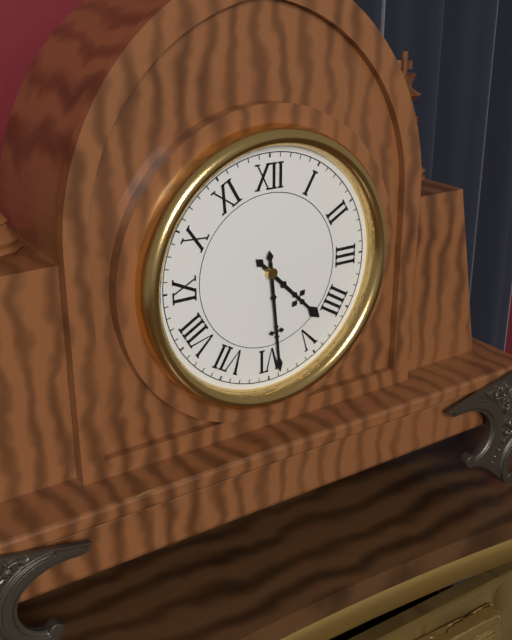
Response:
4.29
